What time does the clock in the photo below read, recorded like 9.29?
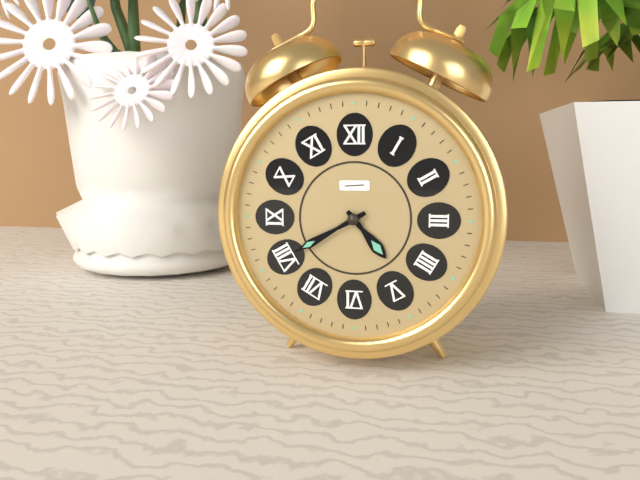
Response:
4.40
